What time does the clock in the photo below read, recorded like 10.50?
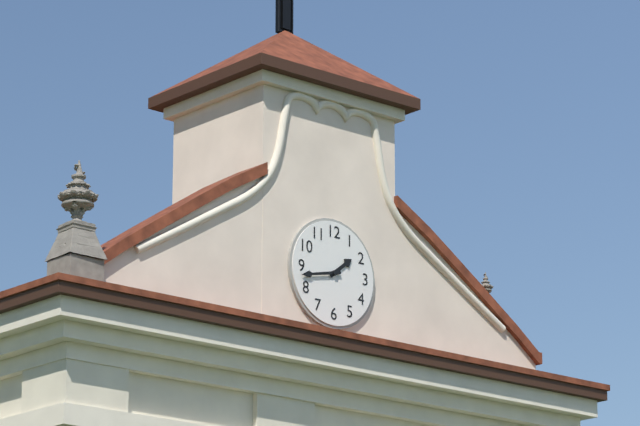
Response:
1.43
